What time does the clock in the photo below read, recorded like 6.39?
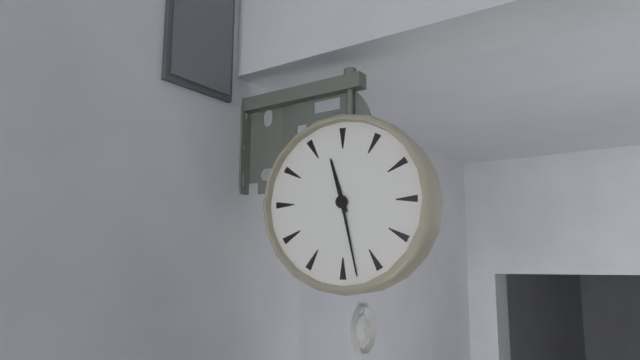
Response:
11.28
